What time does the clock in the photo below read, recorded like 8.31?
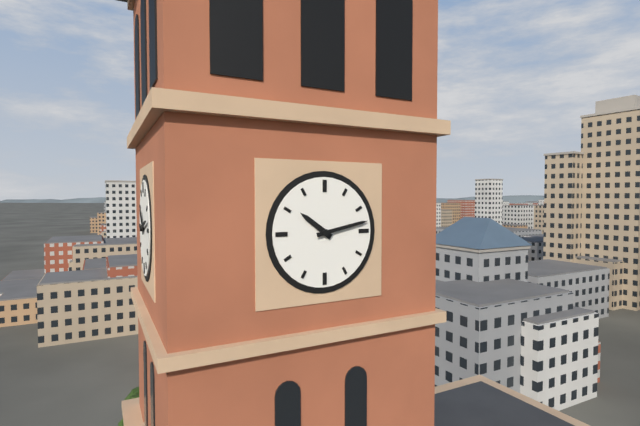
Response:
10.13
